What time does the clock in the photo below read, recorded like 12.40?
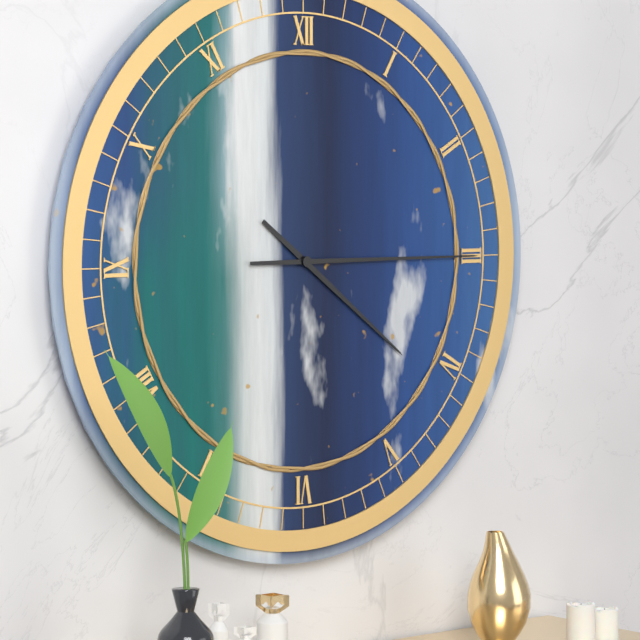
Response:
4.15
